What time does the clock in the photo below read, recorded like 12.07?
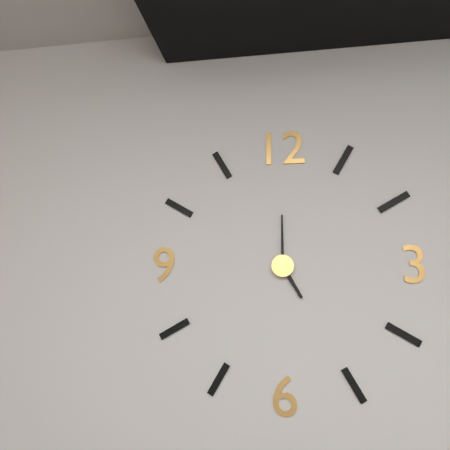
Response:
5.00
